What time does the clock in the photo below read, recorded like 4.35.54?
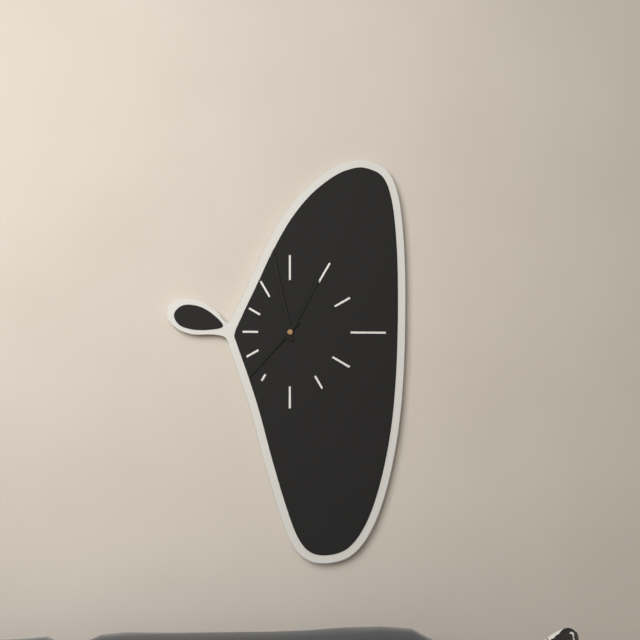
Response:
12.58.37
